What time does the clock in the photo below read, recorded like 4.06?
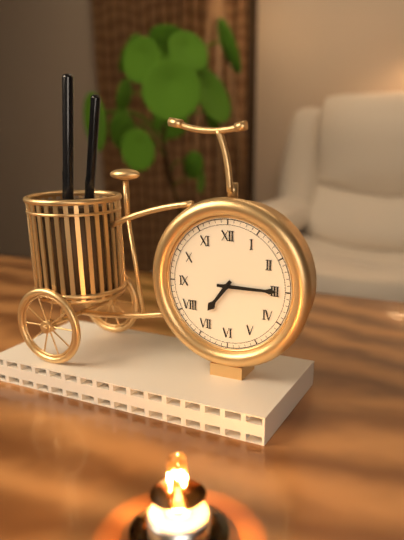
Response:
7.15
